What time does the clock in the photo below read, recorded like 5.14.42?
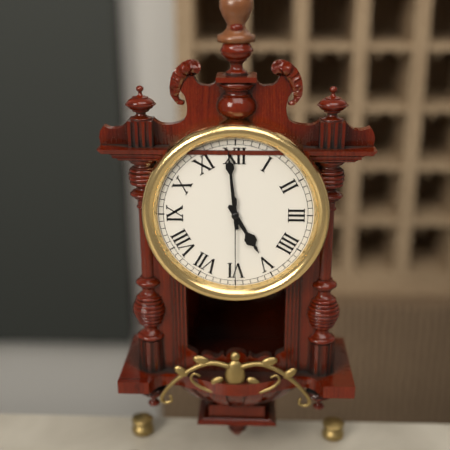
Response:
4.59.30
